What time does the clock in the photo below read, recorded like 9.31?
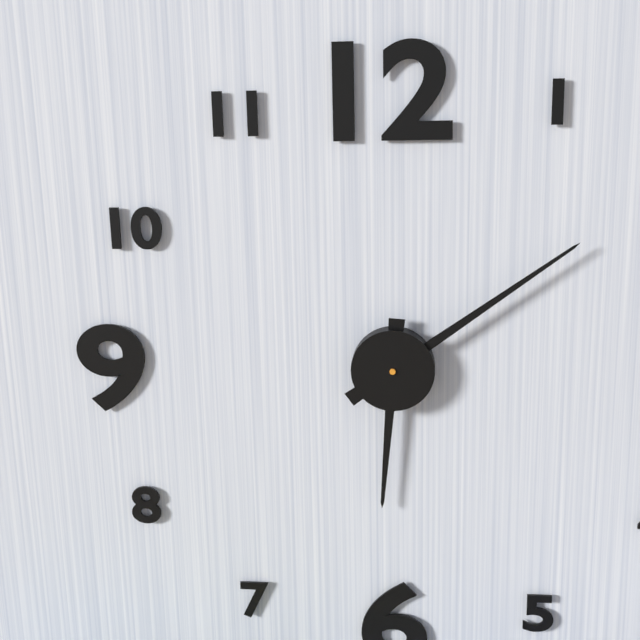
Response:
6.09
